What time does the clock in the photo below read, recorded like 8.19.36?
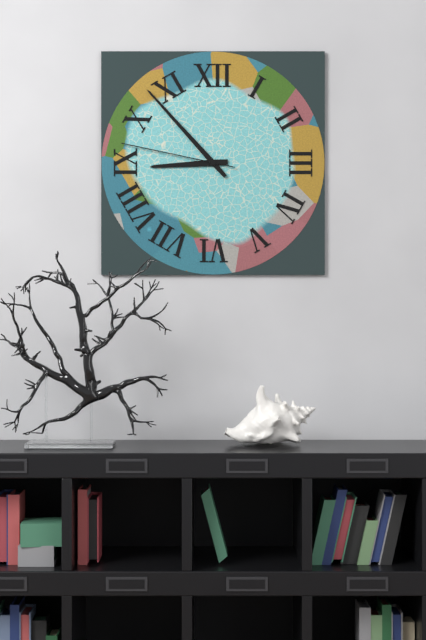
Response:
8.53.47
